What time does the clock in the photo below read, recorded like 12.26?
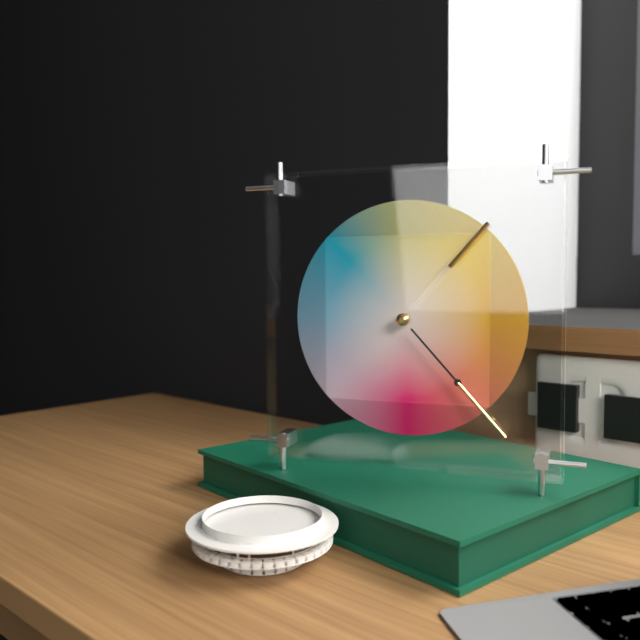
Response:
1.23
